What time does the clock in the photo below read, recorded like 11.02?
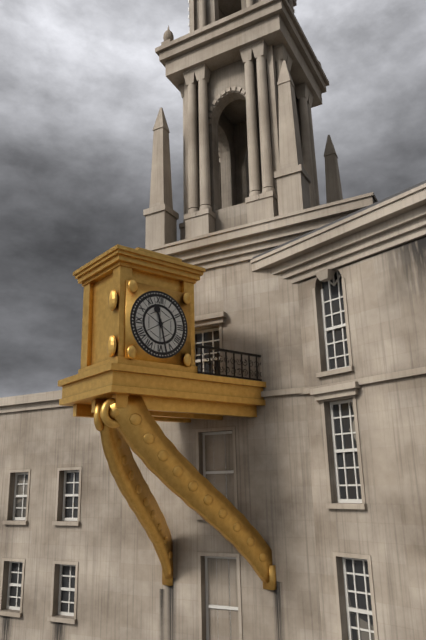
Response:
11.28
